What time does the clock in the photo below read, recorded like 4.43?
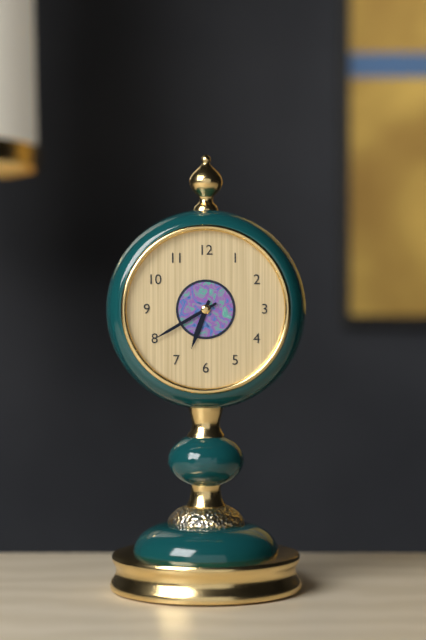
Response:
6.40
